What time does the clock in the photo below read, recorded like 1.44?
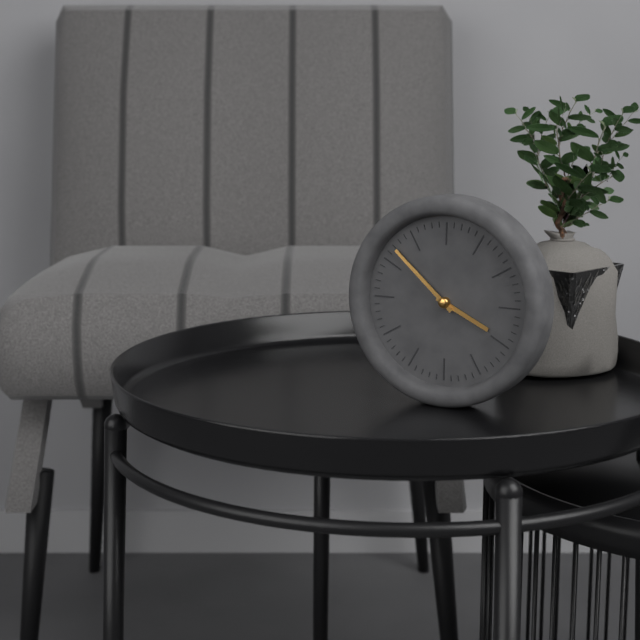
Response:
3.52
